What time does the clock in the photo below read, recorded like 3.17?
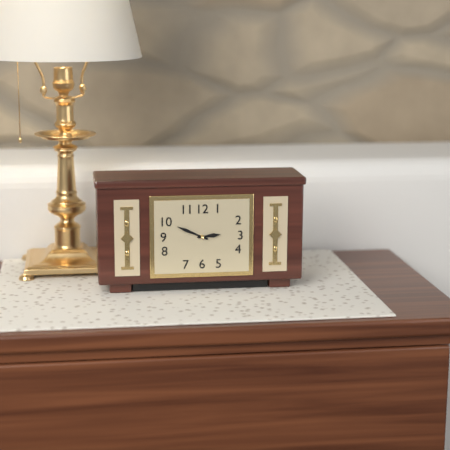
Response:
2.49
